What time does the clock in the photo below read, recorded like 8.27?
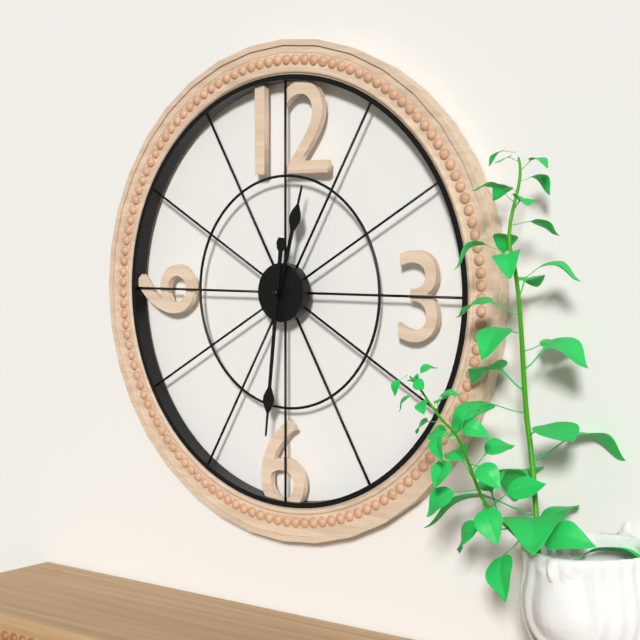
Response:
12.31
